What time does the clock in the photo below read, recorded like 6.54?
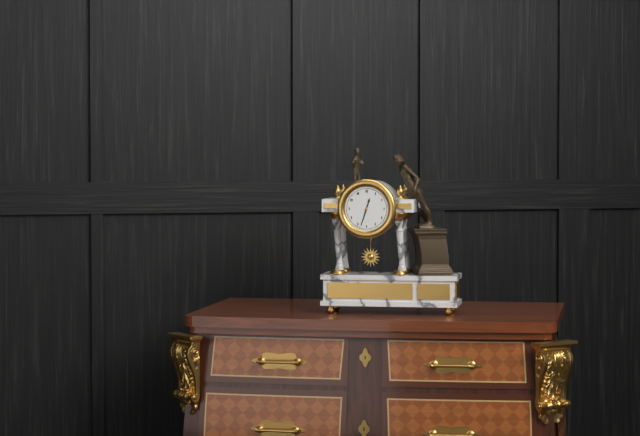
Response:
12.33
